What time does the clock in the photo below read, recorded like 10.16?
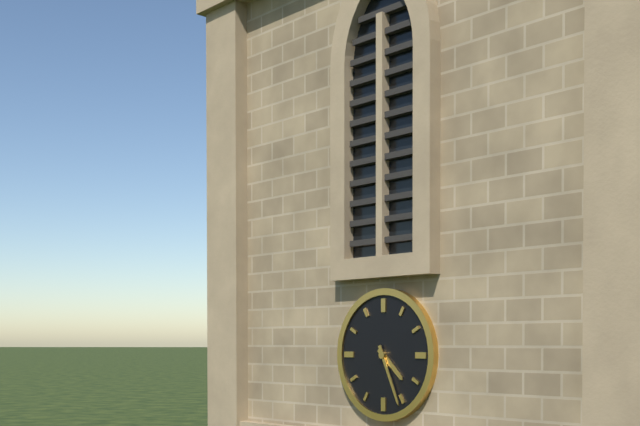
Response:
4.26
